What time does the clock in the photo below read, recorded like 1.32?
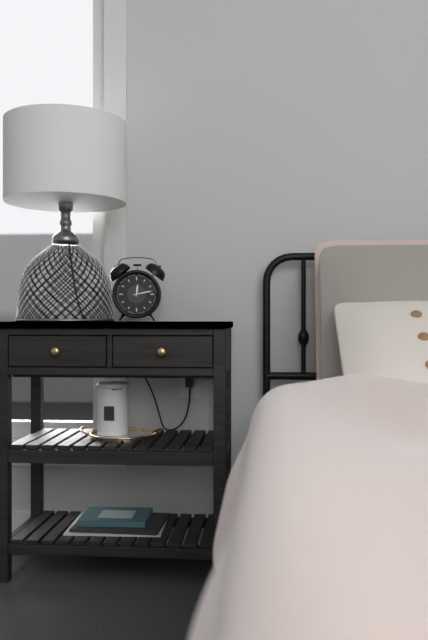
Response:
12.13
